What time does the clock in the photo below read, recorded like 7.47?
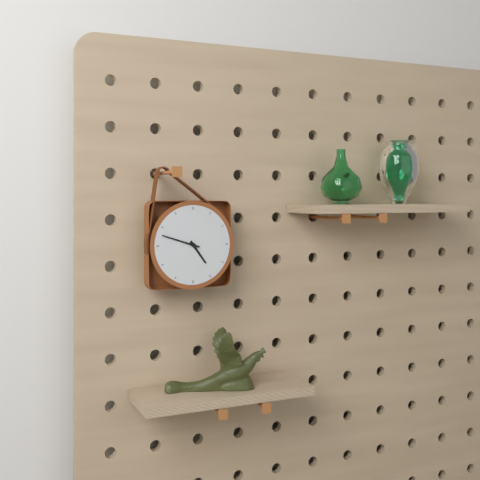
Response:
4.48
